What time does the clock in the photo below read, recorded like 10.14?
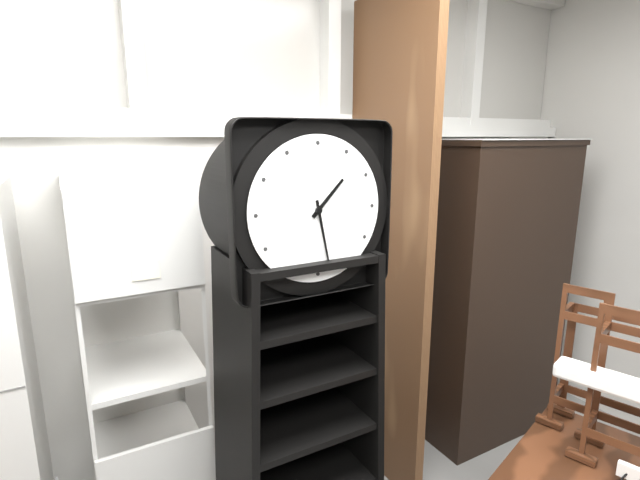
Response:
1.28
